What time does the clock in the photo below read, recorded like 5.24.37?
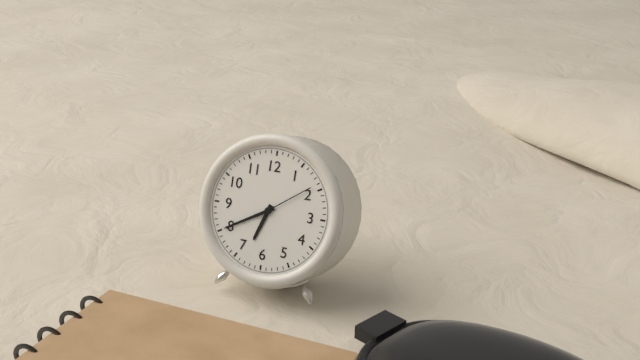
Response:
6.40.09
